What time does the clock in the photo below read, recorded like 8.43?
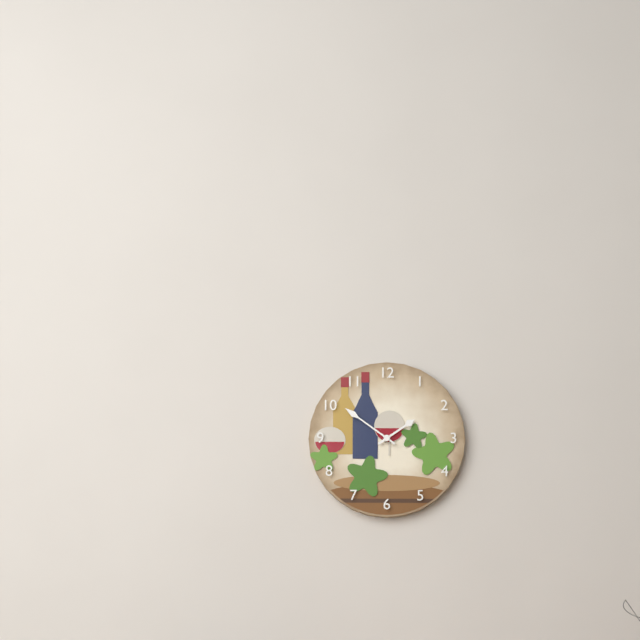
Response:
1.51
